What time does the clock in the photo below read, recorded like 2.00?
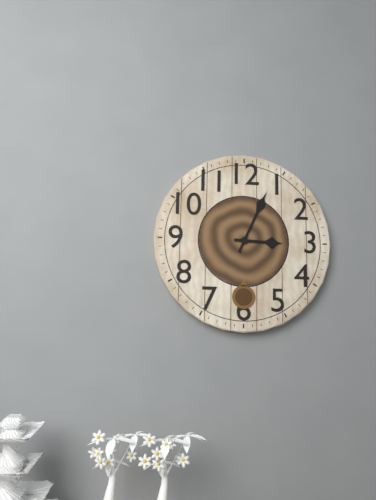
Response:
3.04
